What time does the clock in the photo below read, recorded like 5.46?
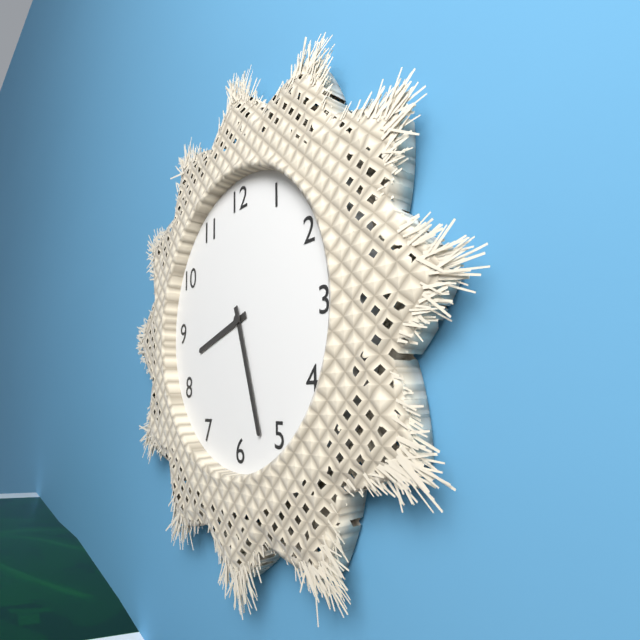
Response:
8.27
